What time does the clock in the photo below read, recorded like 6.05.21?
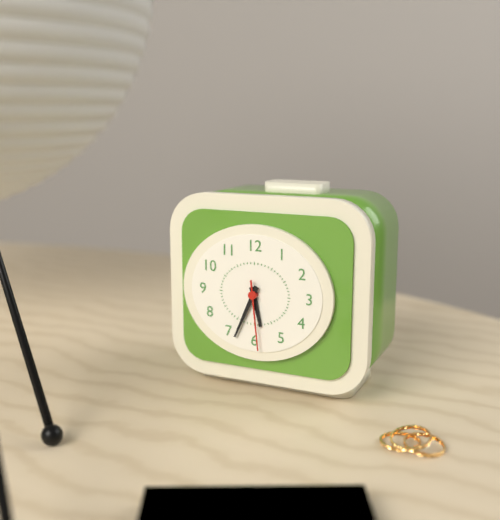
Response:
5.34.29
